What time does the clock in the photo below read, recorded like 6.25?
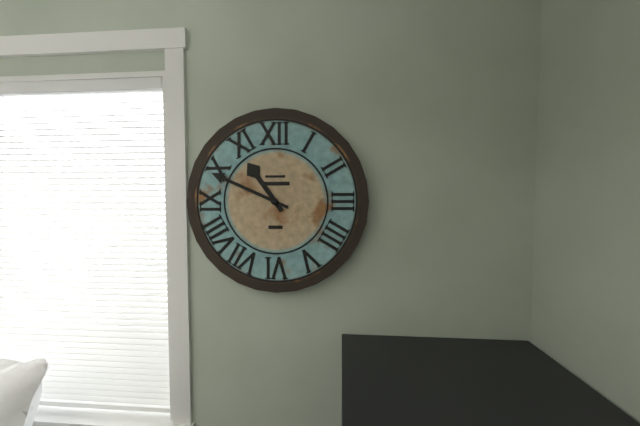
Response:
10.49
